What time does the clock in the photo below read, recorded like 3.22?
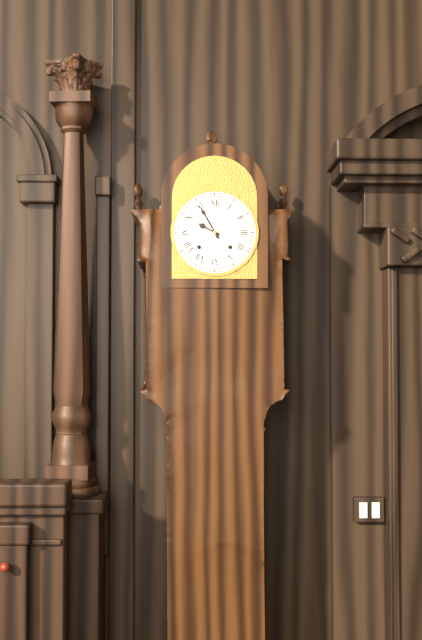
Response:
9.55
